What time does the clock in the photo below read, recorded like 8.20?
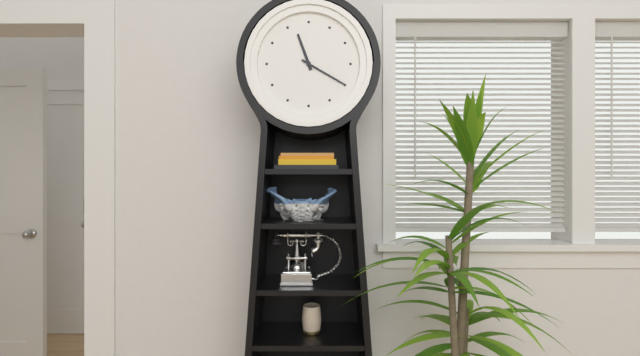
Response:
11.20
